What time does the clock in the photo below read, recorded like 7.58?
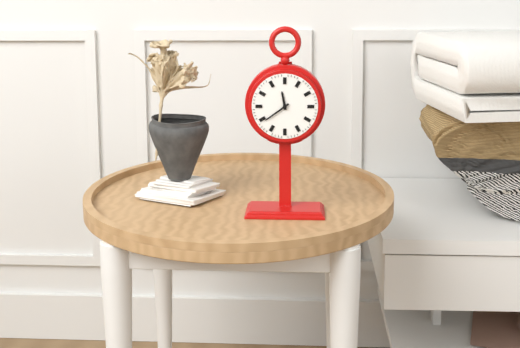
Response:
11.39
